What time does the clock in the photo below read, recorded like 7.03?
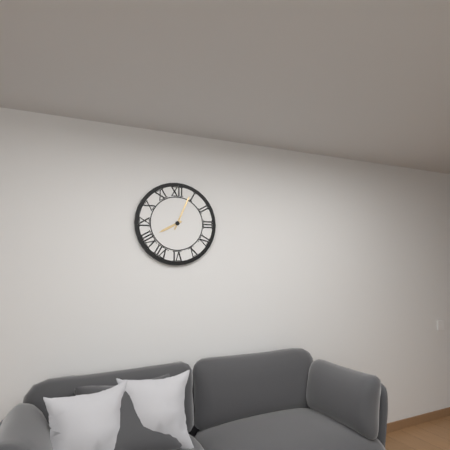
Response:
8.04
